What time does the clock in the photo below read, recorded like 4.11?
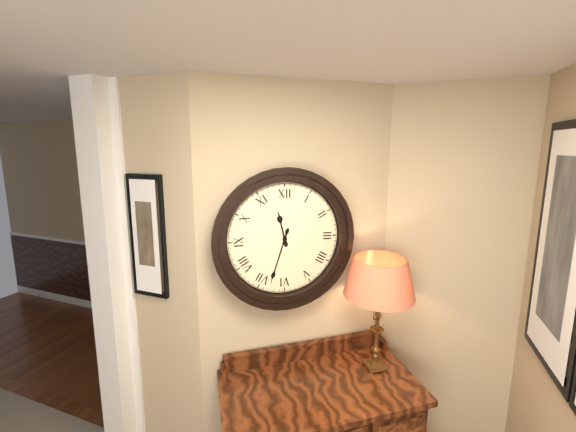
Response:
11.33
